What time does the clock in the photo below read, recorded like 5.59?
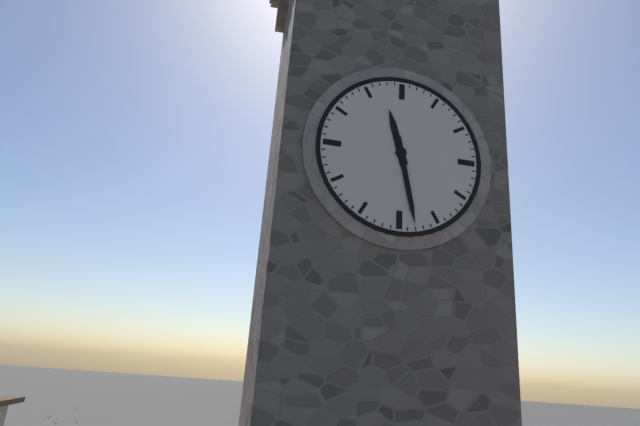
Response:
11.28
